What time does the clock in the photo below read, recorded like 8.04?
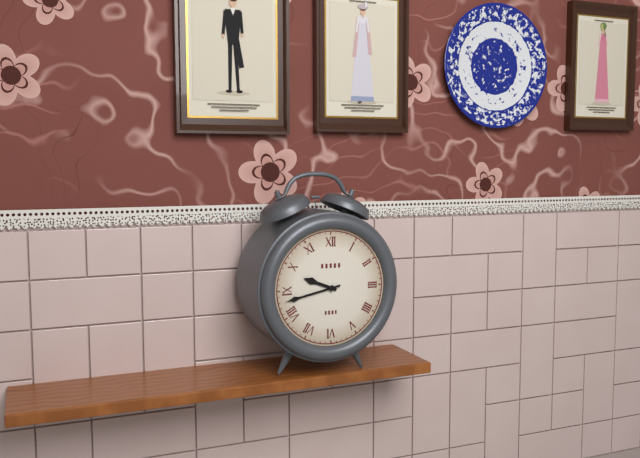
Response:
9.43
